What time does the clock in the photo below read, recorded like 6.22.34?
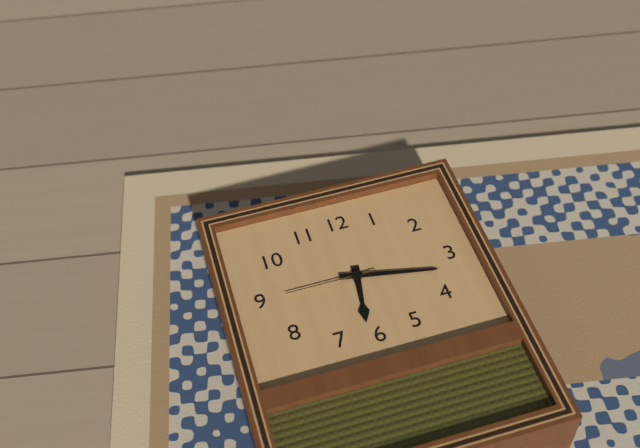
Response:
6.17.45
